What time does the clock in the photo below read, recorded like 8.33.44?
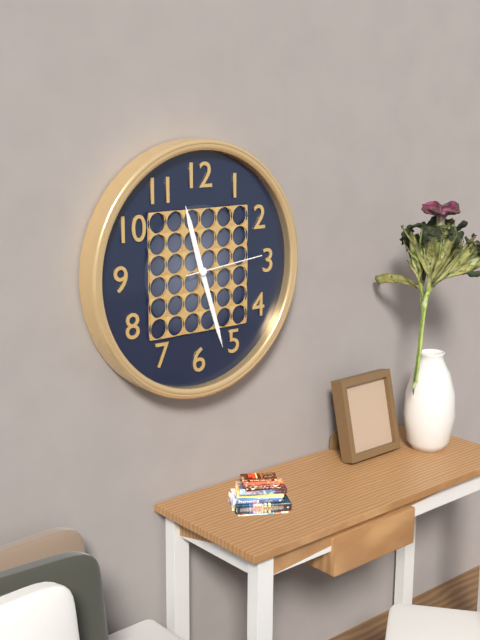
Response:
11.27.14
